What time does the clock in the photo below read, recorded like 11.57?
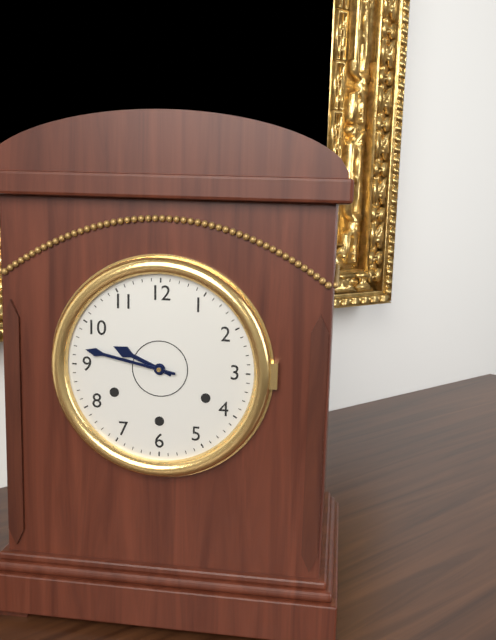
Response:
9.47
